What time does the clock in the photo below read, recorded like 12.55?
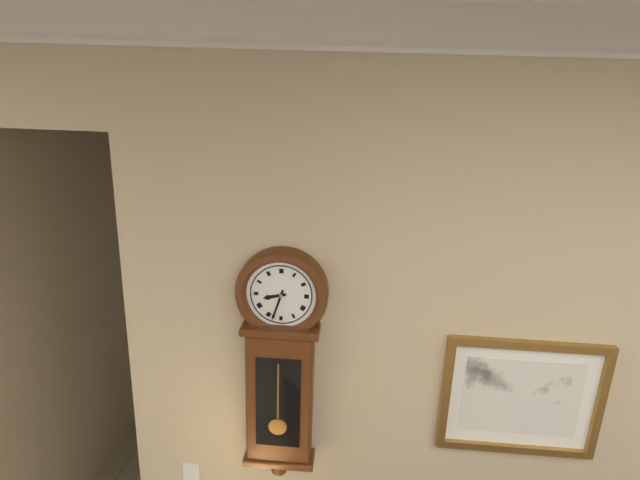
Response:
8.33
